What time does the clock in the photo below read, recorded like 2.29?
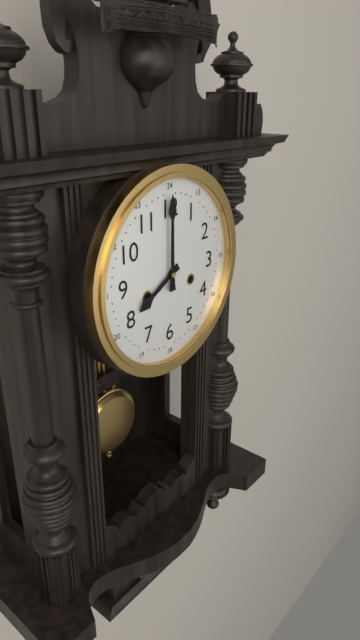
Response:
8.00
